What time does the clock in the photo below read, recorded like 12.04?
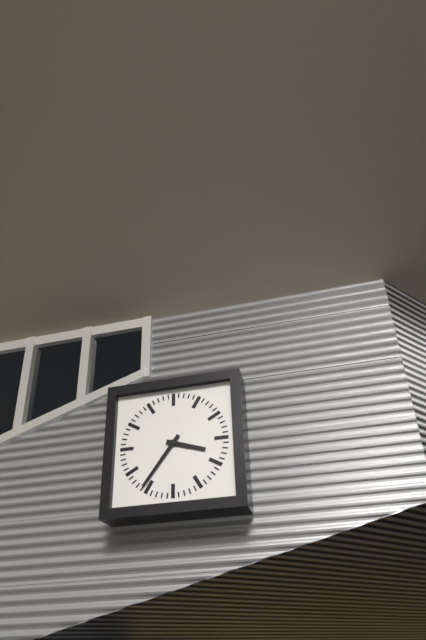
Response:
3.36
